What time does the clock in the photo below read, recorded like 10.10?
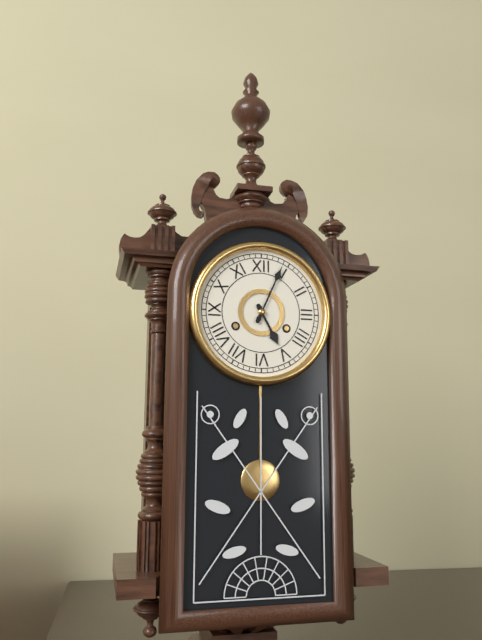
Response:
5.04
